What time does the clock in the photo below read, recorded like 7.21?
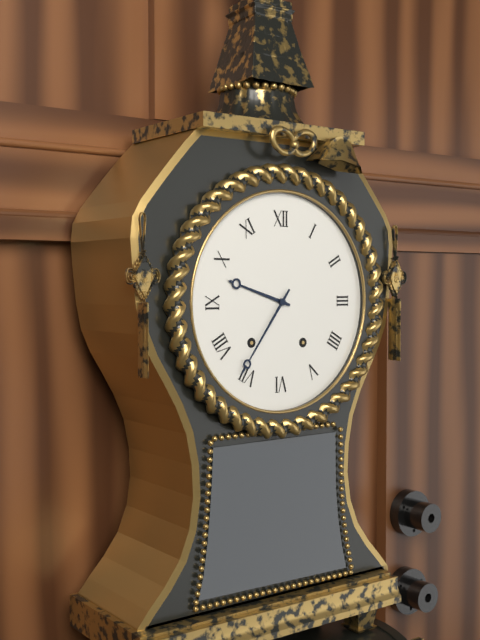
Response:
9.36
